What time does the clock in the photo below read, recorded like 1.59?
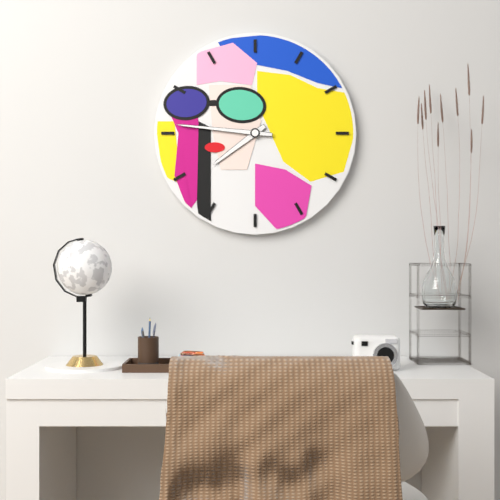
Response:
7.46
